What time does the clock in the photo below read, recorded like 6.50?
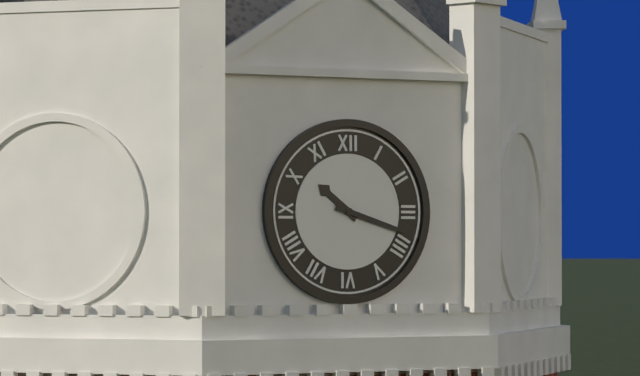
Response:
10.18
